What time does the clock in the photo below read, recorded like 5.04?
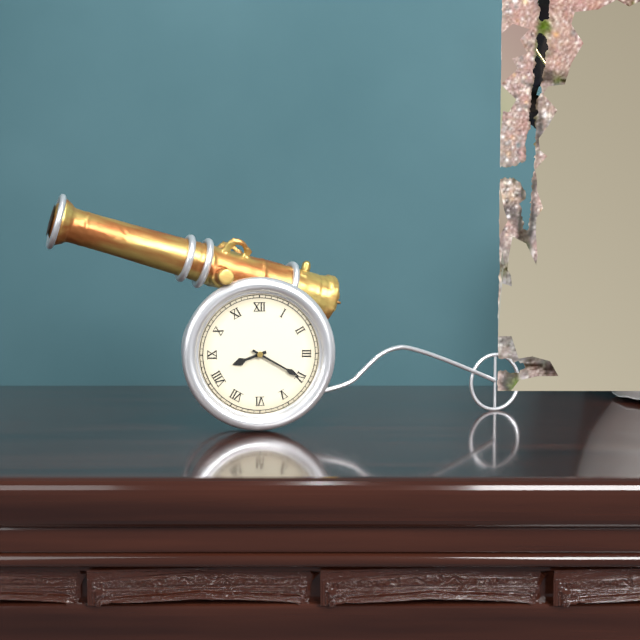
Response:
8.20
